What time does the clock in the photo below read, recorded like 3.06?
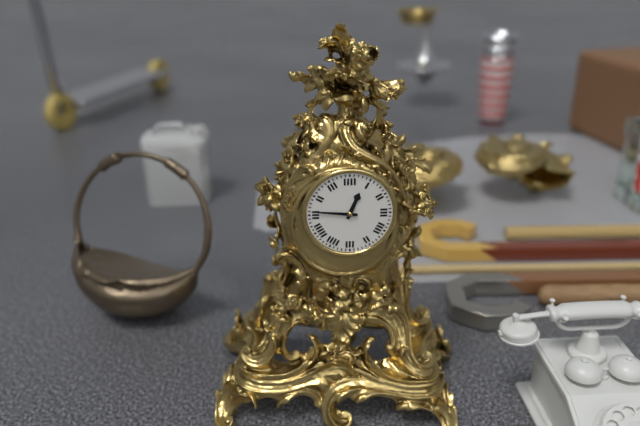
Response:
12.46
